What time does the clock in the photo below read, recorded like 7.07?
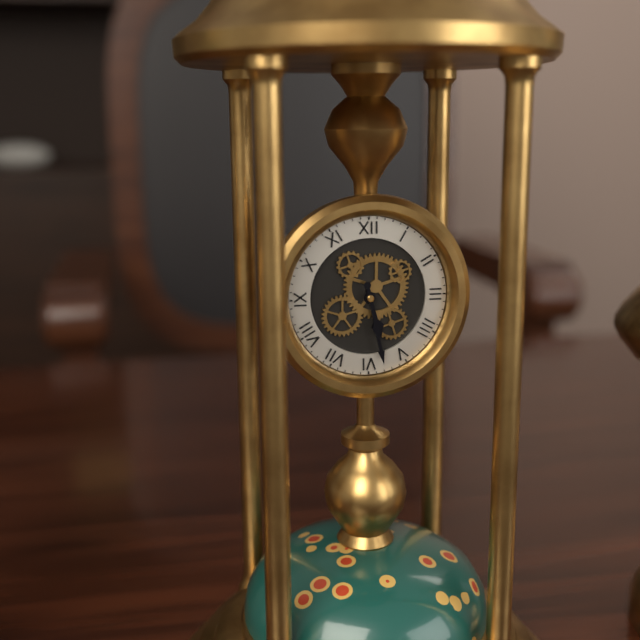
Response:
5.28
